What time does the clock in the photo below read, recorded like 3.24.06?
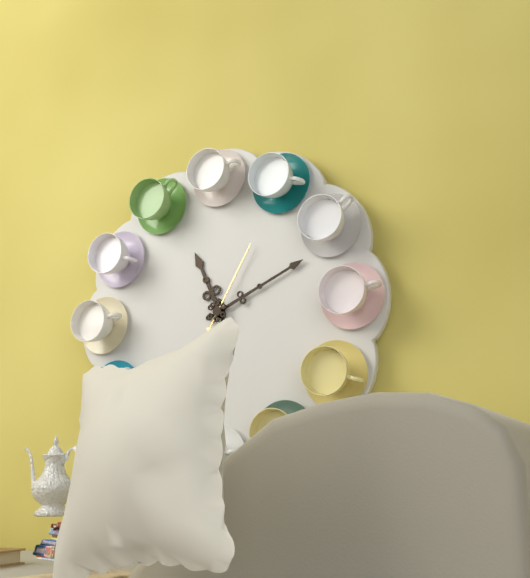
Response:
11.11.05
